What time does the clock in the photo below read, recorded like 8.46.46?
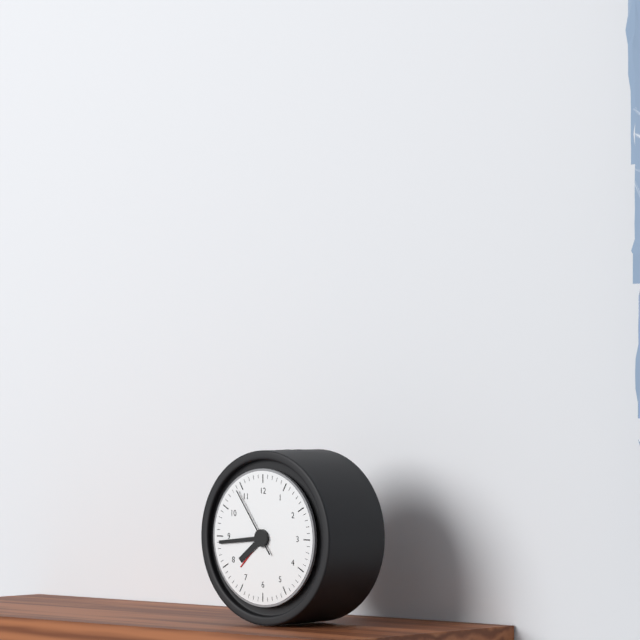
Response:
7.44.54
